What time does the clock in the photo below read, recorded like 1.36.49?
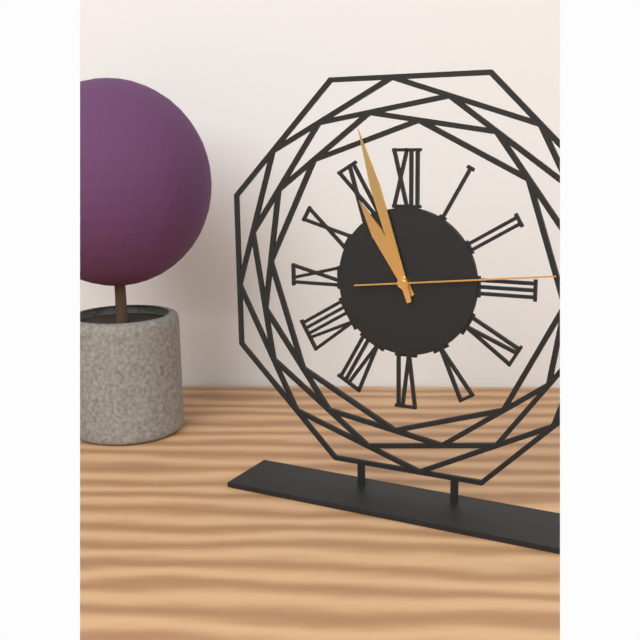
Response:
10.57.14
